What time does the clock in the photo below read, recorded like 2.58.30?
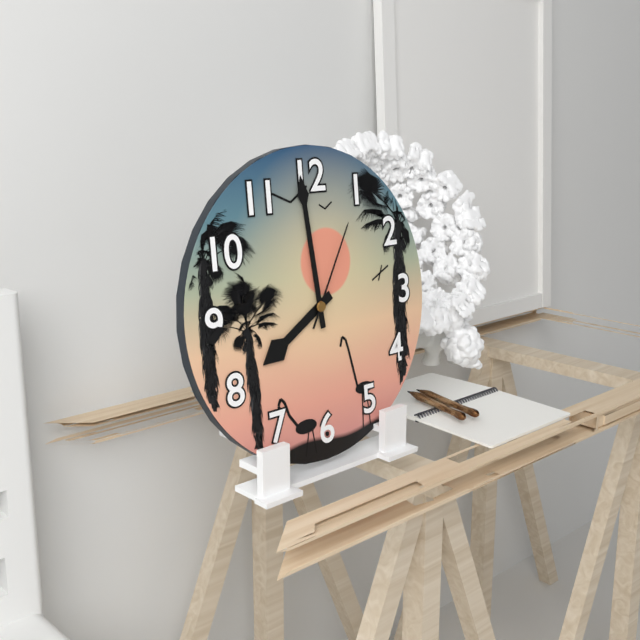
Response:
7.59.05
